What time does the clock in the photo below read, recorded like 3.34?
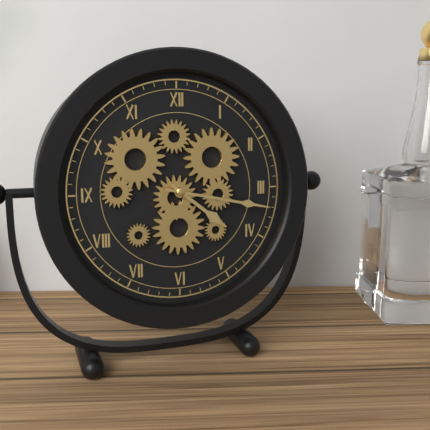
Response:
4.17
